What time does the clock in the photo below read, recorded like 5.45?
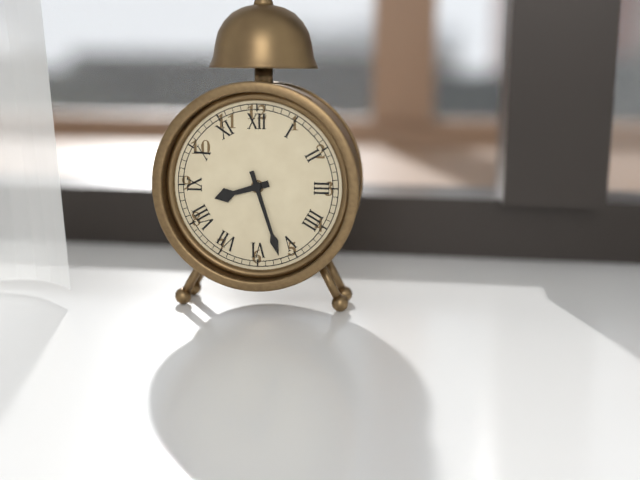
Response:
8.27
